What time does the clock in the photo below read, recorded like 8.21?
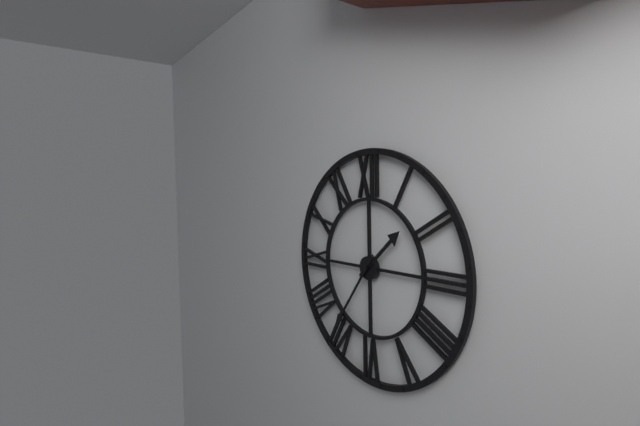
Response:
1.36
